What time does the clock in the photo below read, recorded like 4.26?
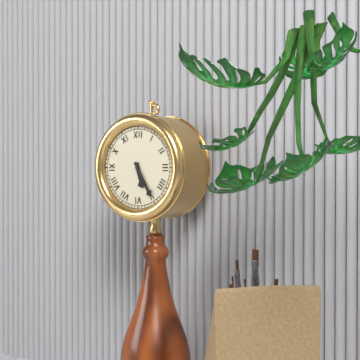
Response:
5.25
